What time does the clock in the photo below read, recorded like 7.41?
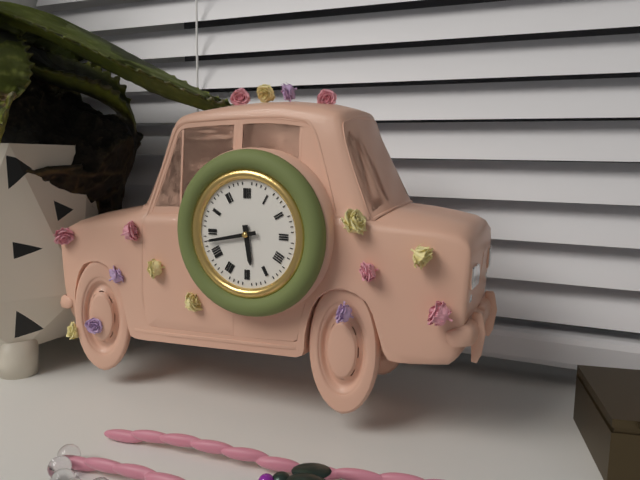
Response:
5.43
